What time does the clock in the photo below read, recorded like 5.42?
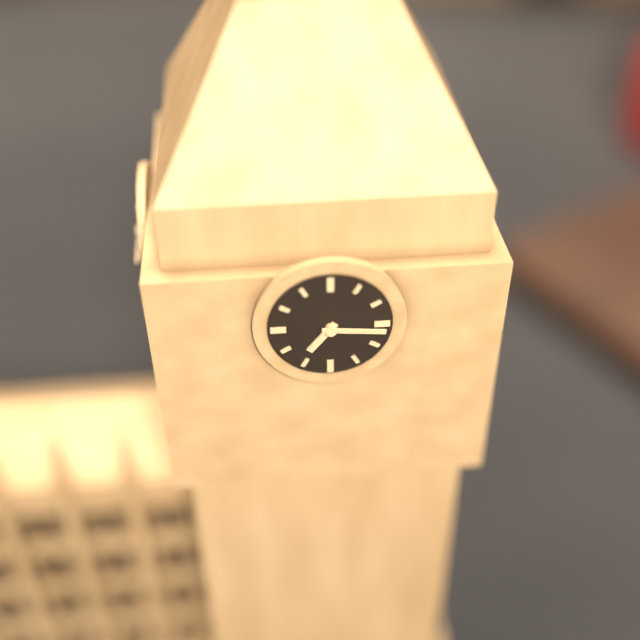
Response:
7.16
